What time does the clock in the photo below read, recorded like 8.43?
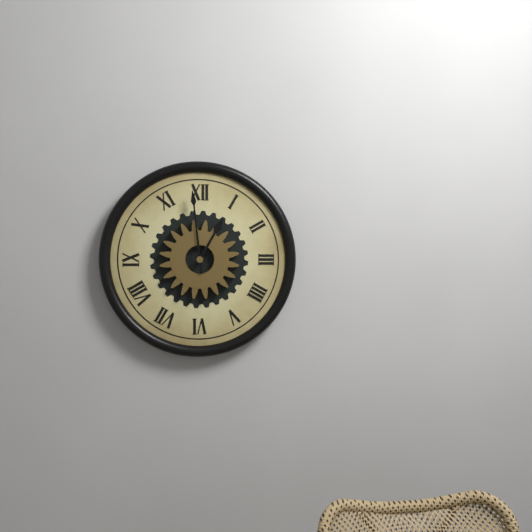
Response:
12.59
